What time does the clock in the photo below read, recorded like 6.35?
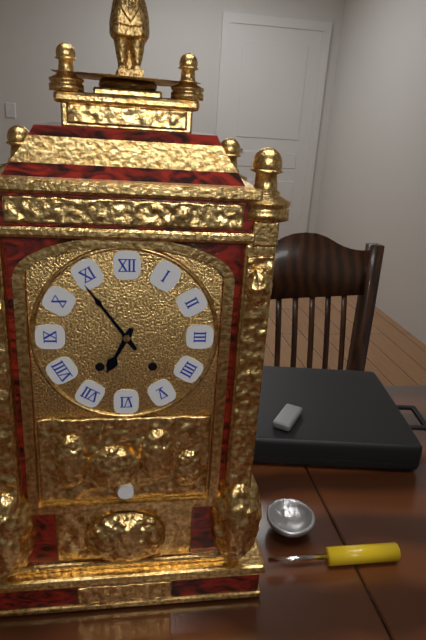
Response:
6.54
